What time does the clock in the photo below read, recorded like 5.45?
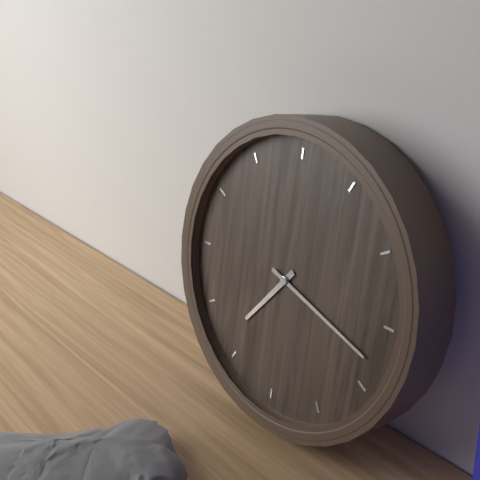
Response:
7.18
